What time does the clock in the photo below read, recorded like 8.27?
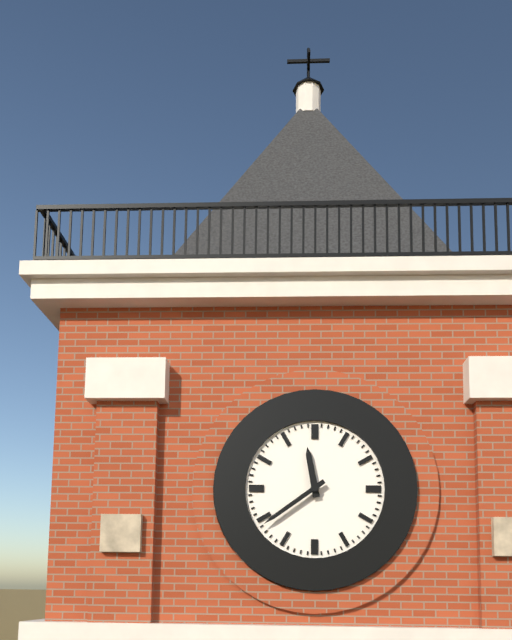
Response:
11.39
